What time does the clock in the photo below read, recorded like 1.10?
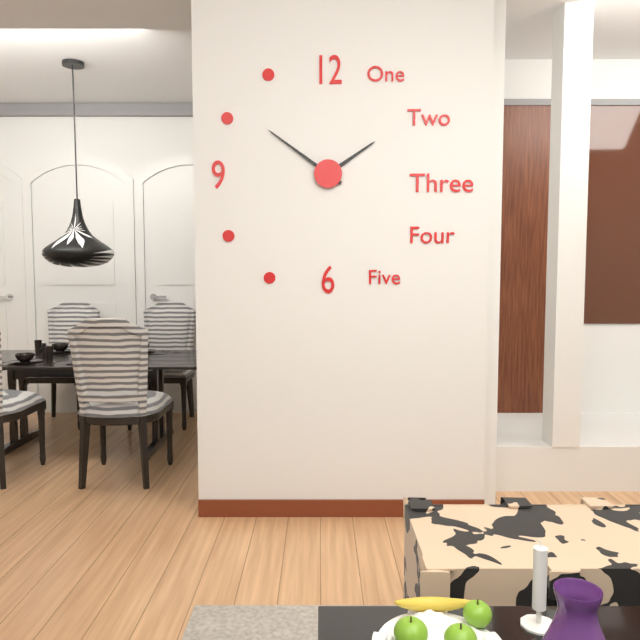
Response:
1.51
